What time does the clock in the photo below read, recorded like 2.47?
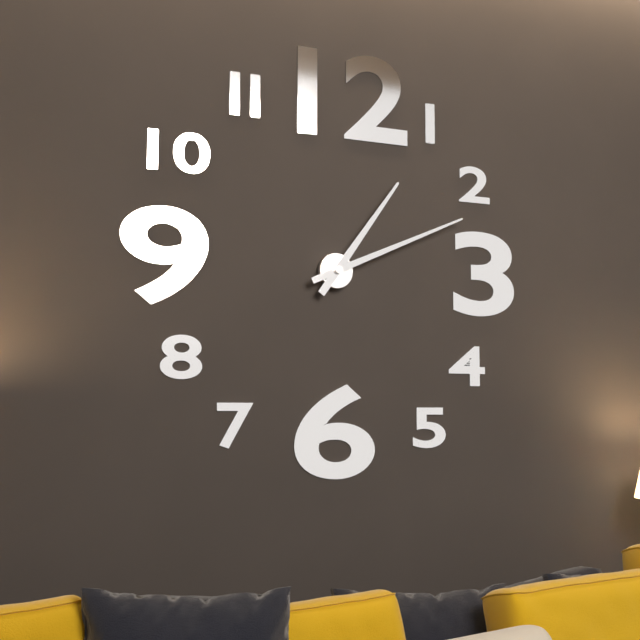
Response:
1.11
